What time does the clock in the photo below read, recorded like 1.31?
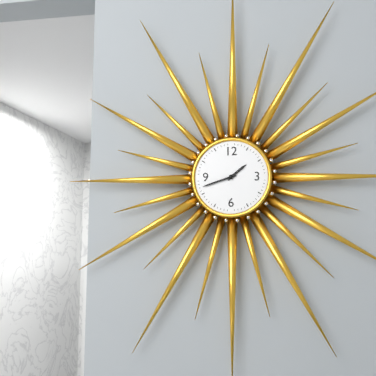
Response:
1.42
